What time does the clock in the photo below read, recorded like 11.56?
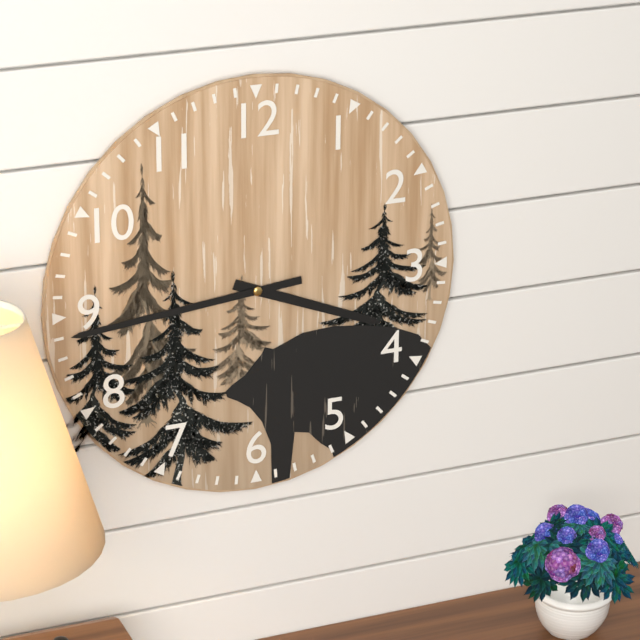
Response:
3.44
